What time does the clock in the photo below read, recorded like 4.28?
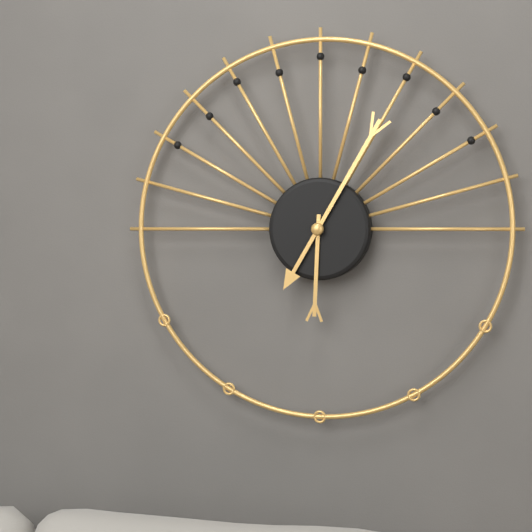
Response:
6.05
